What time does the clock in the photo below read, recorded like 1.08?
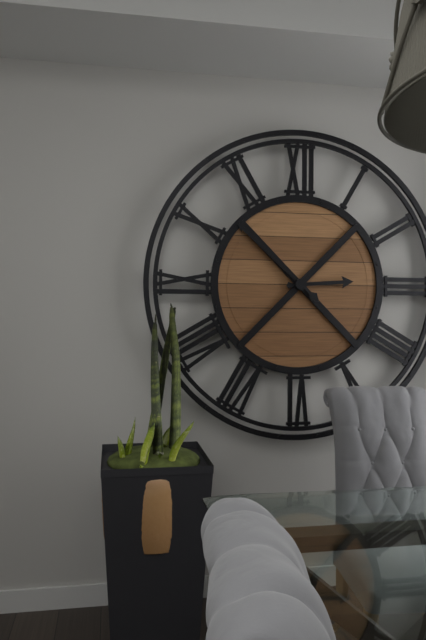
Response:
2.52
